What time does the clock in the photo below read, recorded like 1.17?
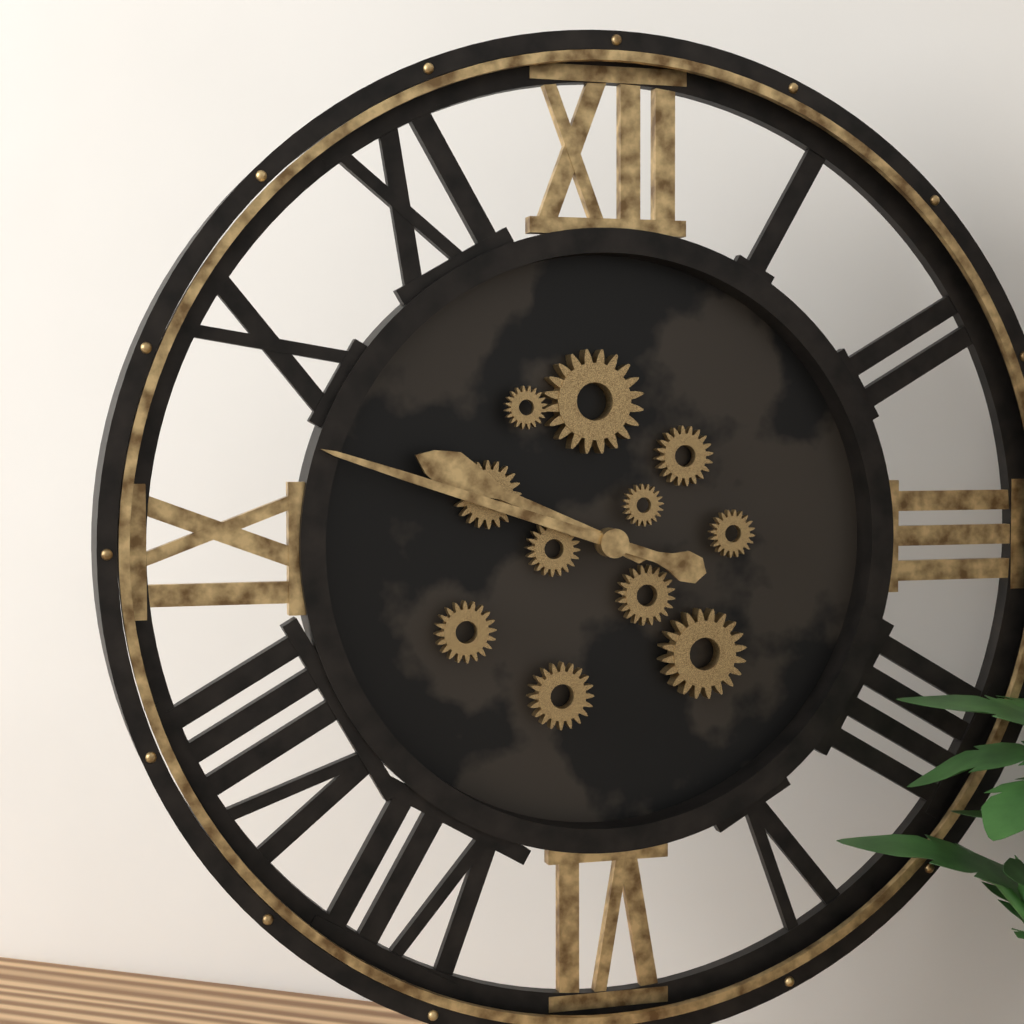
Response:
9.48
